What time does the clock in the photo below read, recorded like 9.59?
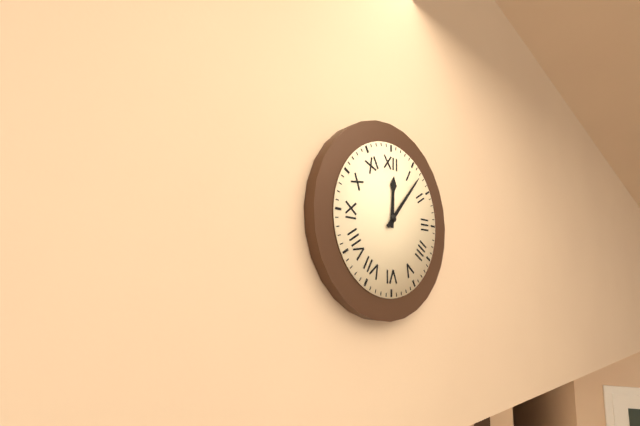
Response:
12.07
